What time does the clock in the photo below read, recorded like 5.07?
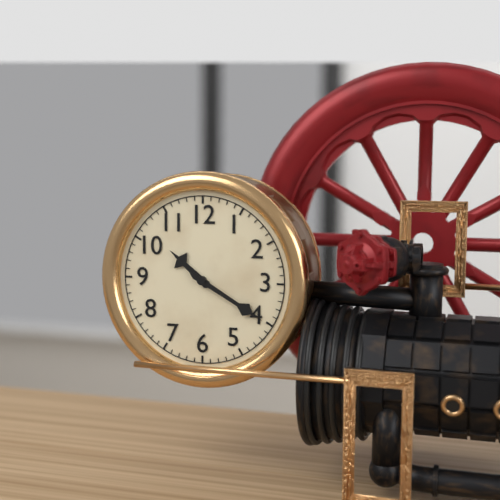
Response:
10.20
